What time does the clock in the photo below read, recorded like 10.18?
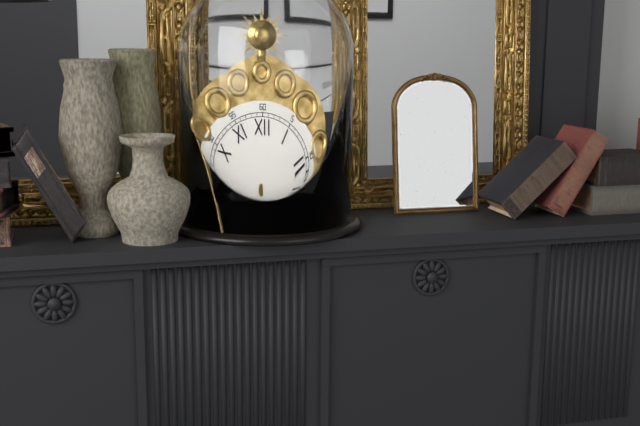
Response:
5.12
